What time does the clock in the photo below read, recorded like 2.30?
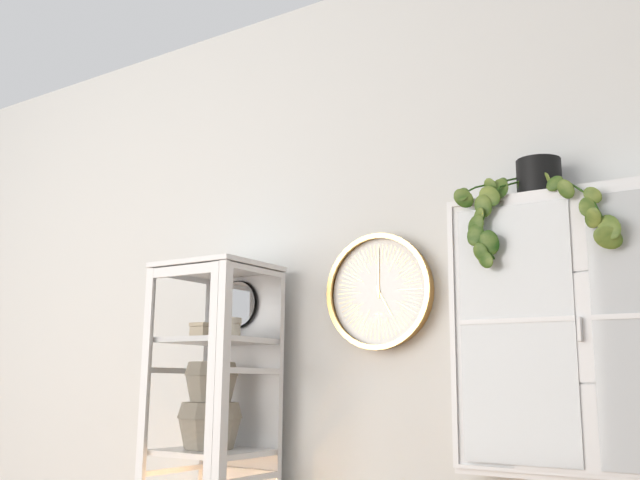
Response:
5.00
